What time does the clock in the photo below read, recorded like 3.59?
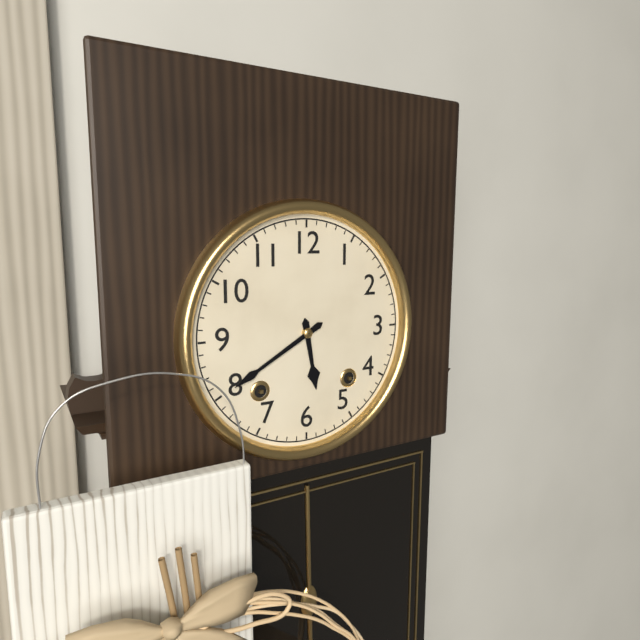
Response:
5.40
